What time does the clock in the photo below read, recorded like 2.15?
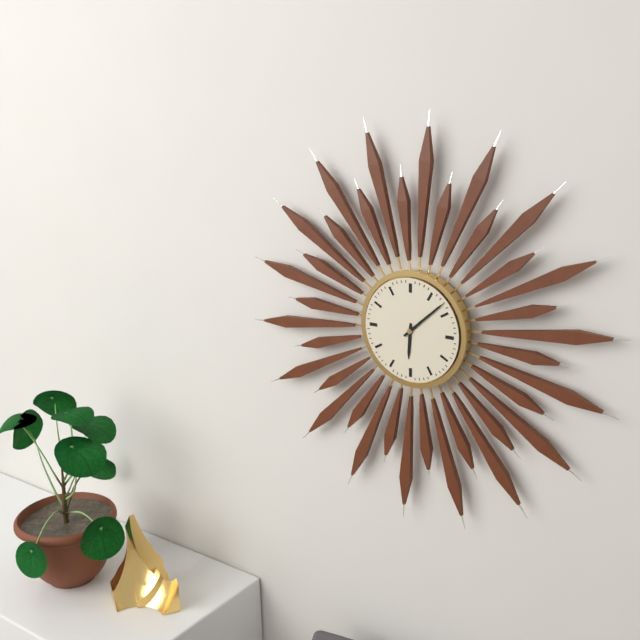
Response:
6.08
